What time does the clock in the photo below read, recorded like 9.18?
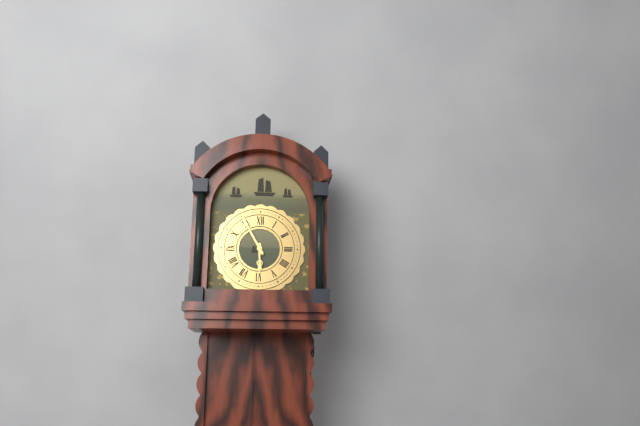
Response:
5.55
